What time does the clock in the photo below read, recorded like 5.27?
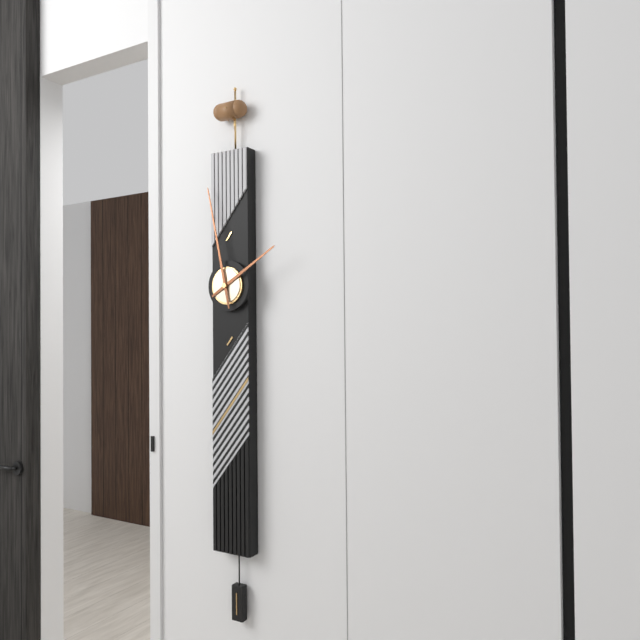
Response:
1.58
